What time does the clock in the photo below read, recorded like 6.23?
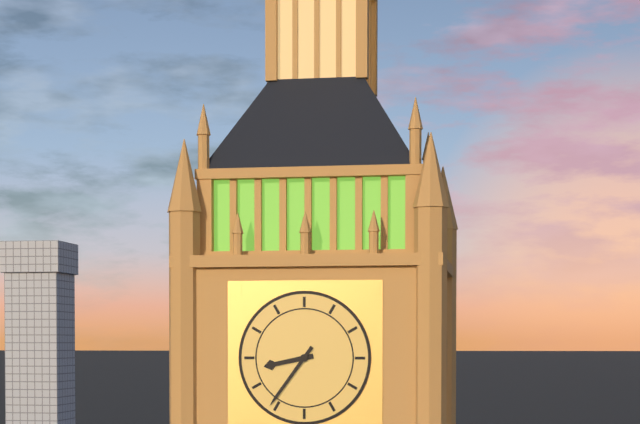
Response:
8.36
